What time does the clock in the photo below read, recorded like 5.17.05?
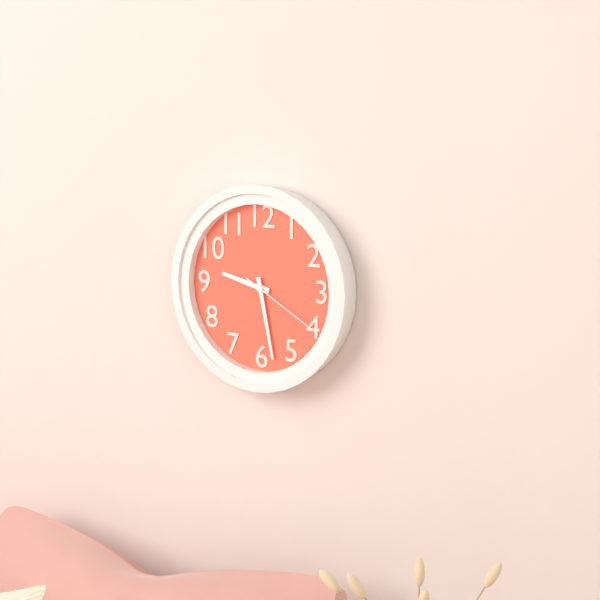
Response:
9.28.20
